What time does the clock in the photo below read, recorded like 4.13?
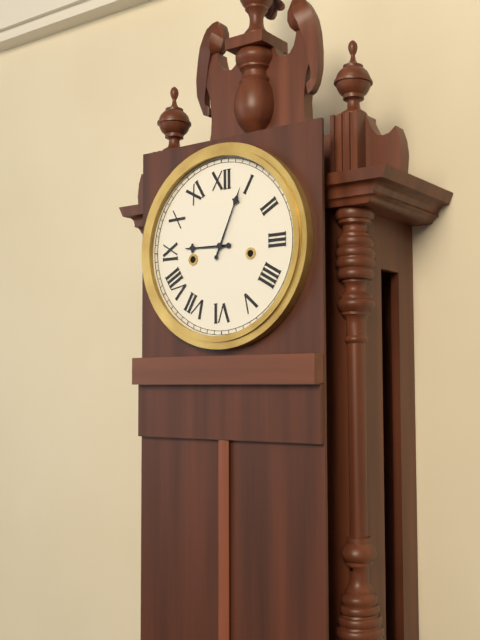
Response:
9.04
